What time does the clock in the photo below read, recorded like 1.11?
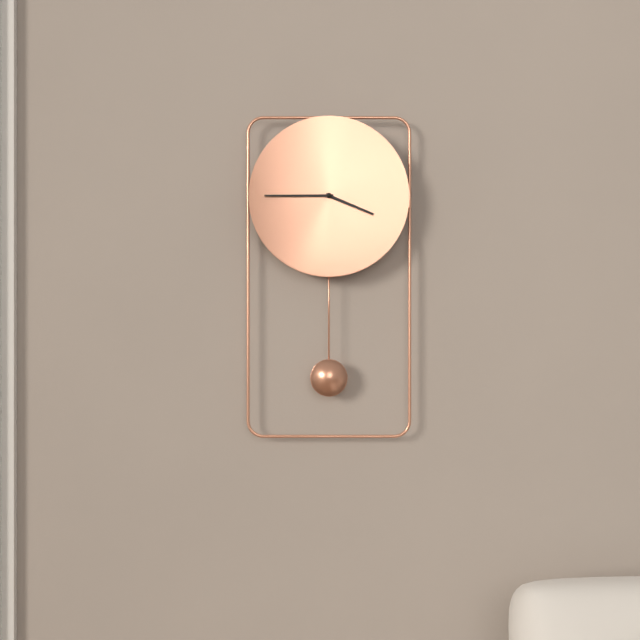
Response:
3.45
